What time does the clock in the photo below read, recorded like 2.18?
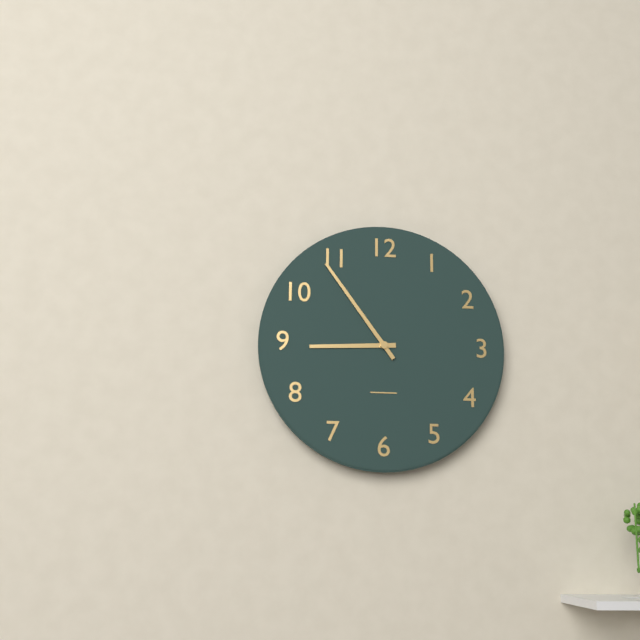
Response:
8.54
